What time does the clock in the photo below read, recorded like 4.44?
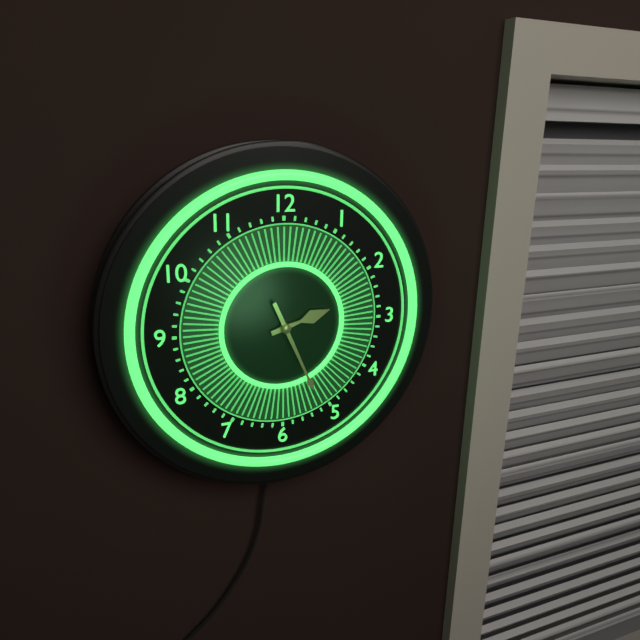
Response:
2.26
